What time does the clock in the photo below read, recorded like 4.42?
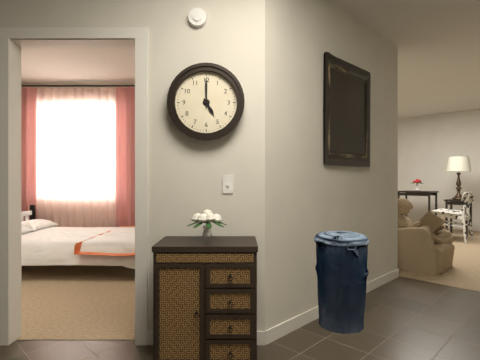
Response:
5.00
